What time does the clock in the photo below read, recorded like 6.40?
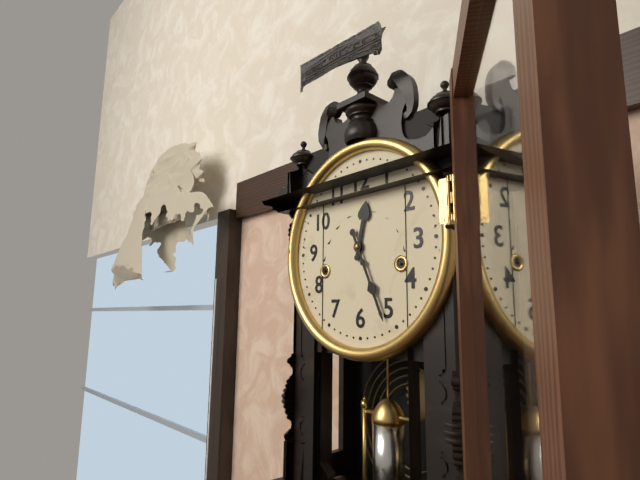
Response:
12.26
